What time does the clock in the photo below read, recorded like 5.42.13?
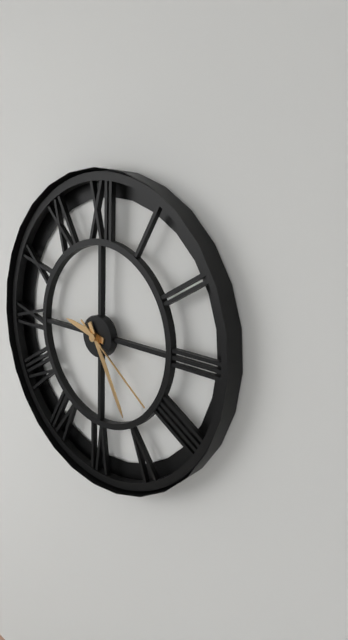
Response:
9.25.21
